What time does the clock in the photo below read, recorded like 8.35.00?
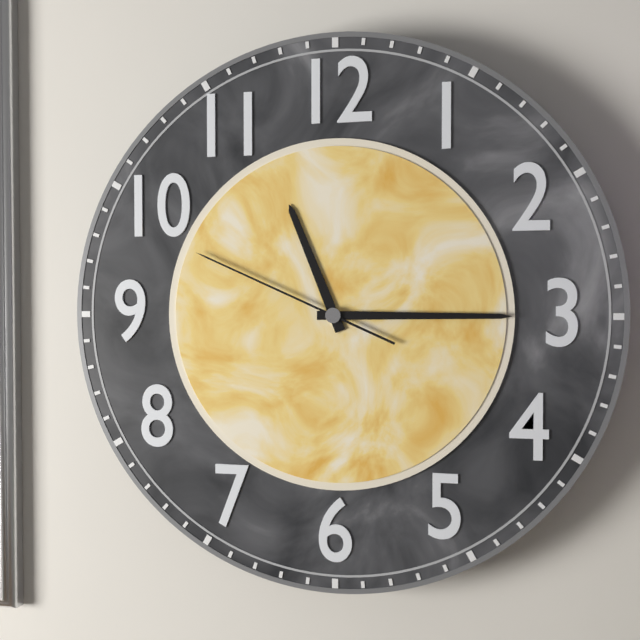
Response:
11.15.49
